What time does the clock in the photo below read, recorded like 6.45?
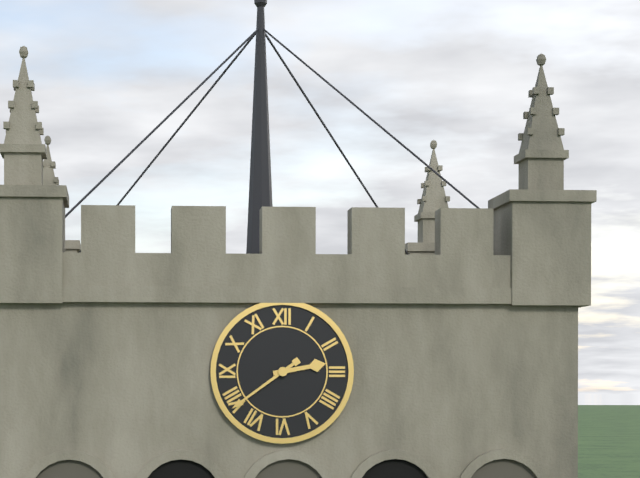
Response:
2.39
